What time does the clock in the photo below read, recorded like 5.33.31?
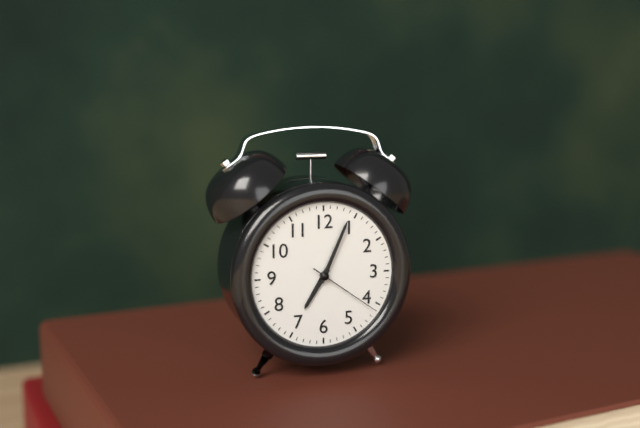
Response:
7.04.21
